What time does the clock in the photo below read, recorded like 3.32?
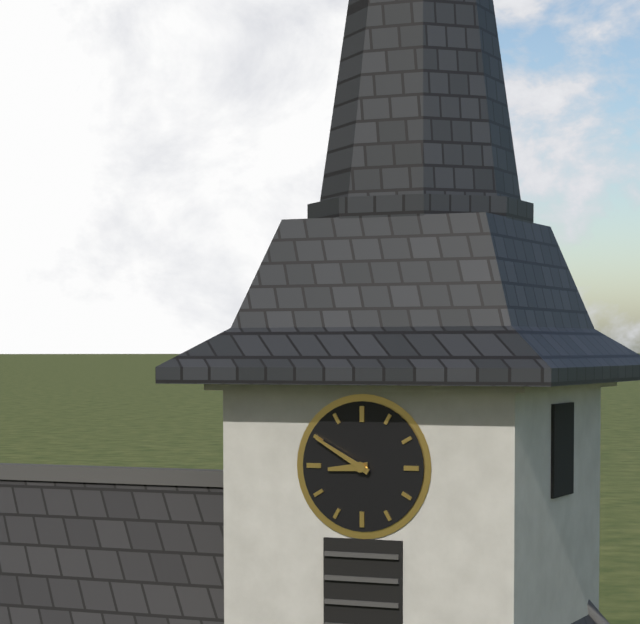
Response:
8.50
